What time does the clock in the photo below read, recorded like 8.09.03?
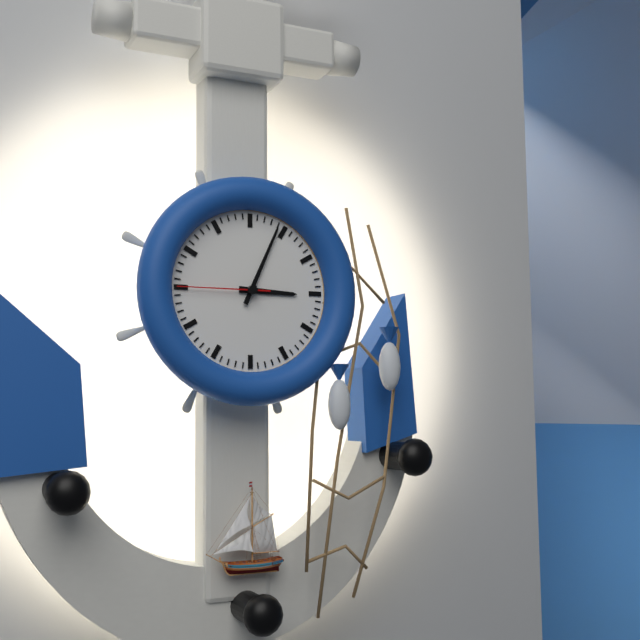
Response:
3.04.45
